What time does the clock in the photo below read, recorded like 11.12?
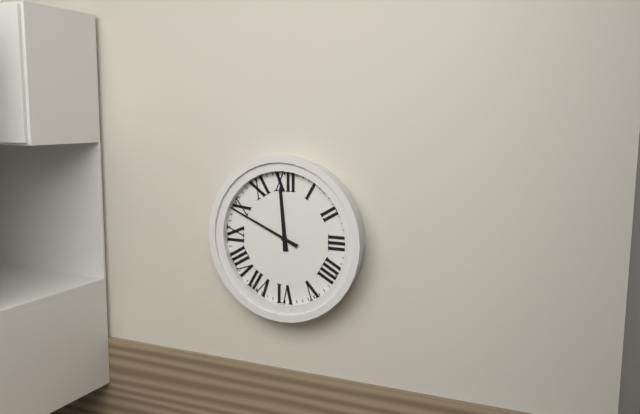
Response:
11.49
